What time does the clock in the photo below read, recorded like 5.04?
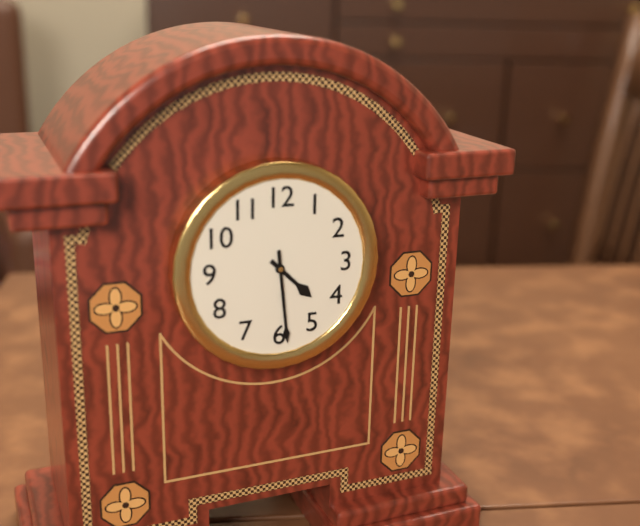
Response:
4.29
